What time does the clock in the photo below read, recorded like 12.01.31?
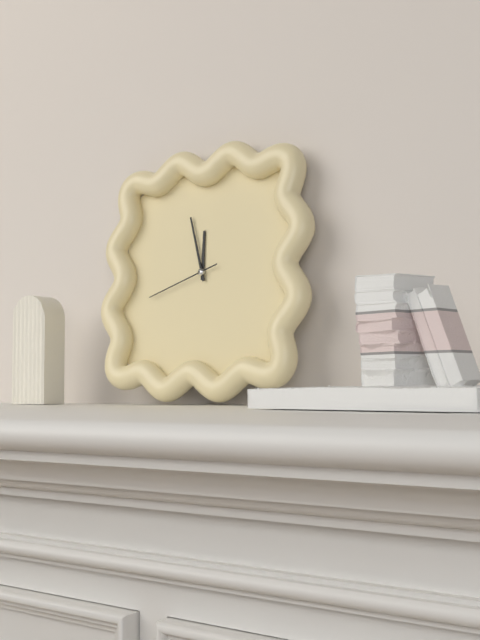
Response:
11.57.42
